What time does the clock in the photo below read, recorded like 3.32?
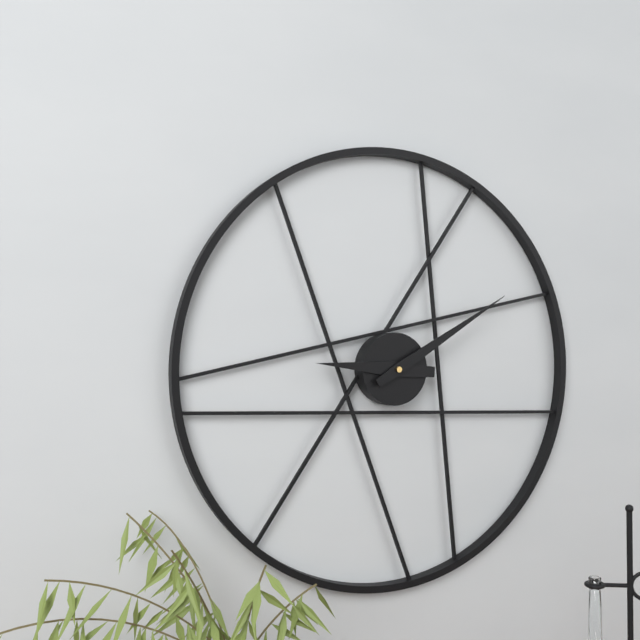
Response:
9.10
